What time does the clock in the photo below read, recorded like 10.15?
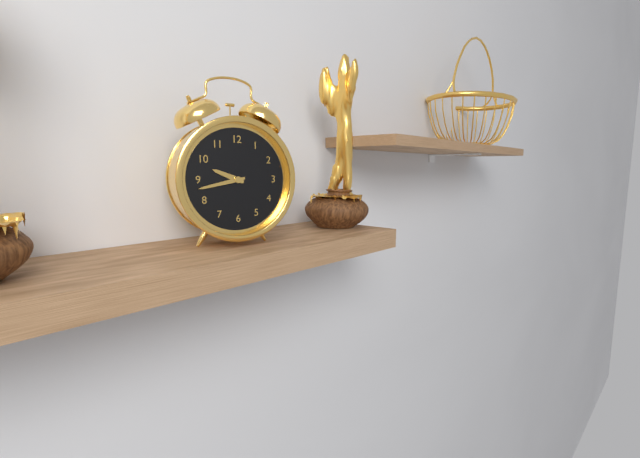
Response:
9.43
